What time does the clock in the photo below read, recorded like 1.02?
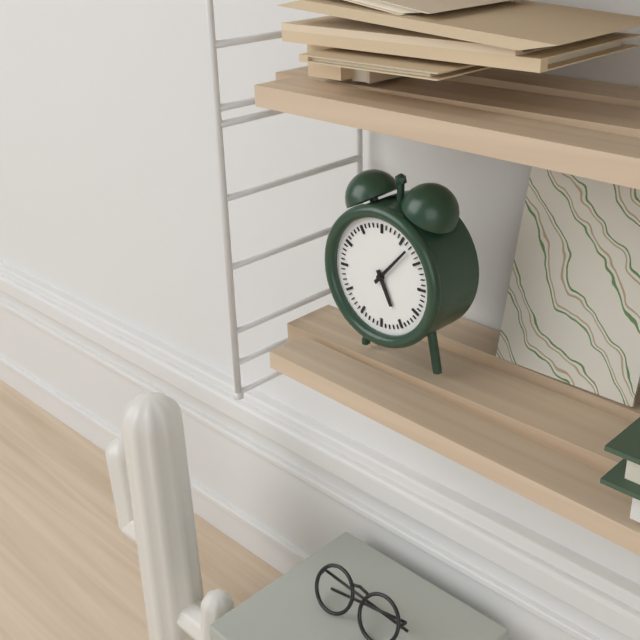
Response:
5.07
